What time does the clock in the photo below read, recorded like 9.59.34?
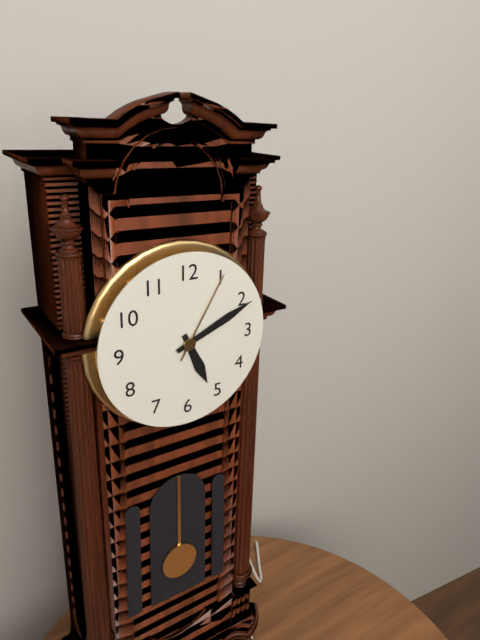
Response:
5.11.05
